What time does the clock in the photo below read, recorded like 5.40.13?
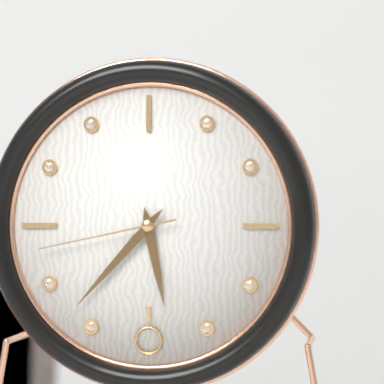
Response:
5.37.43
